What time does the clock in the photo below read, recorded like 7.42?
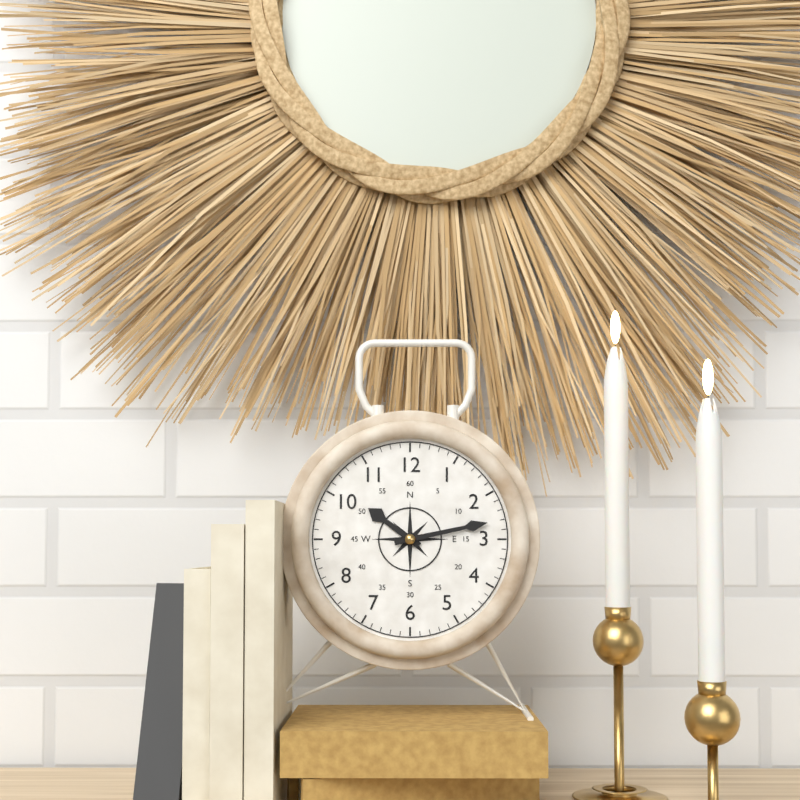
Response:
10.13
